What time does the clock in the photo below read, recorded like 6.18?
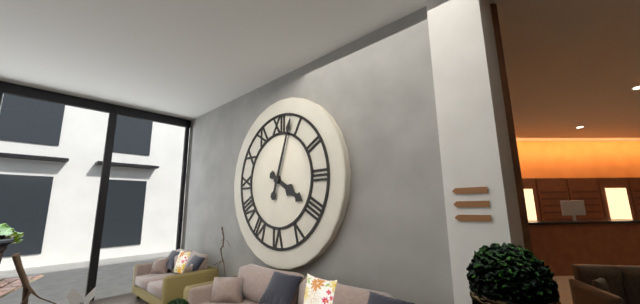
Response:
4.03
